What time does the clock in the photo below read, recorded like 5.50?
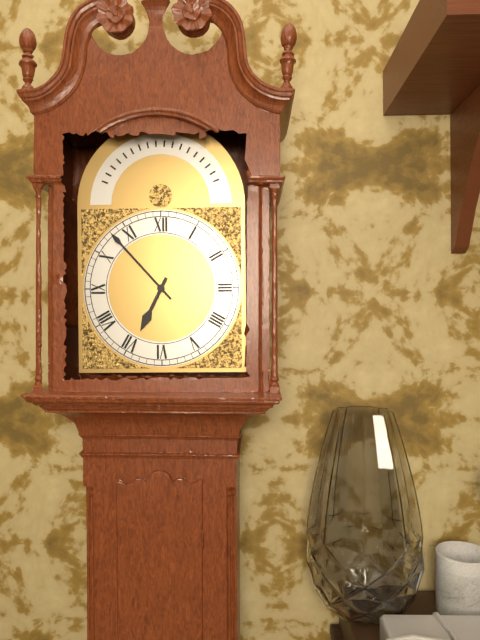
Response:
6.53
